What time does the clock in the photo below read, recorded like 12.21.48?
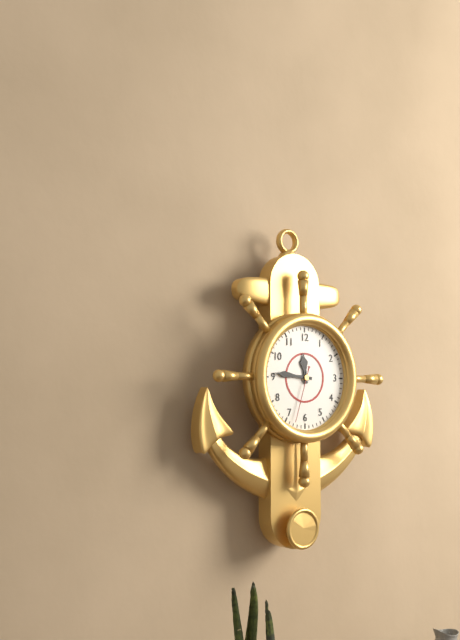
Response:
11.46.33
